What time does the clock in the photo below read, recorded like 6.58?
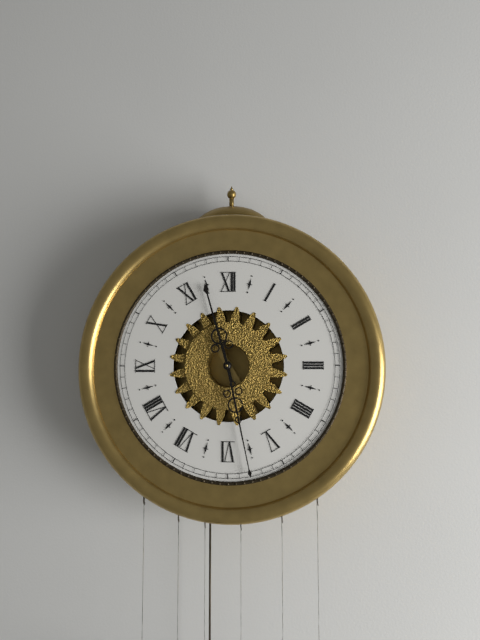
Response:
11.28
